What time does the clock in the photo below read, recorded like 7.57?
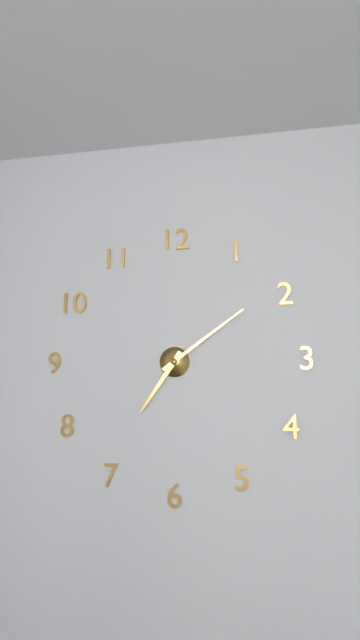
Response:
7.09
